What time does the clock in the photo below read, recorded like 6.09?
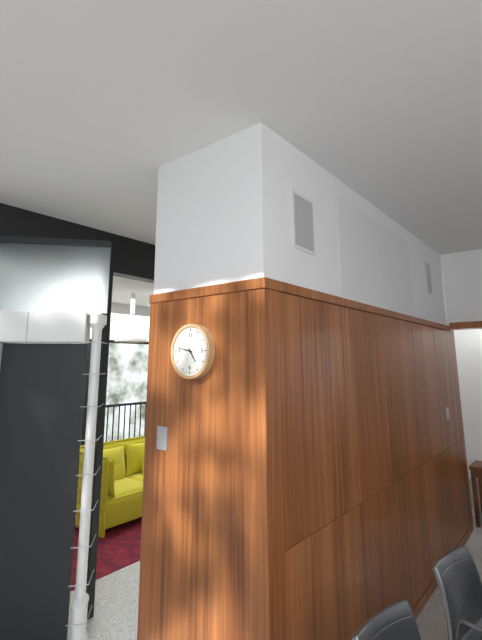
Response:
4.47
